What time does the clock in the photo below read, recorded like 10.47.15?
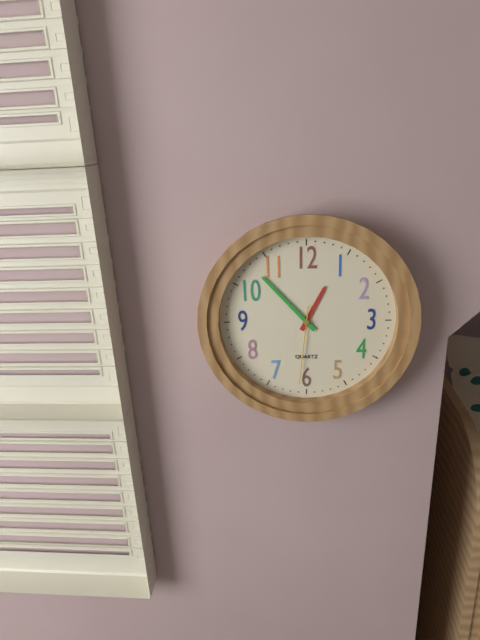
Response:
12.53.31
